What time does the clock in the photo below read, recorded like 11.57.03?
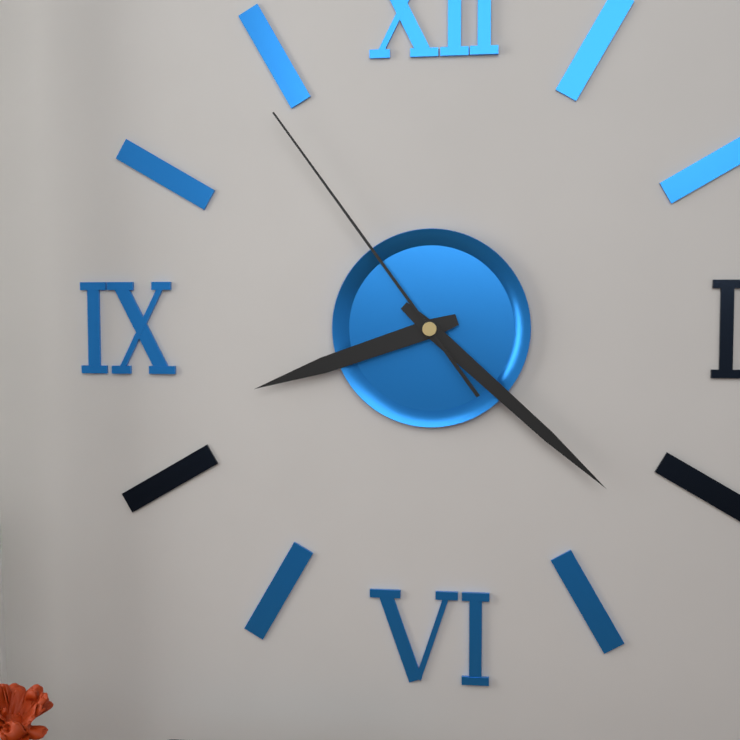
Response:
8.22.54
